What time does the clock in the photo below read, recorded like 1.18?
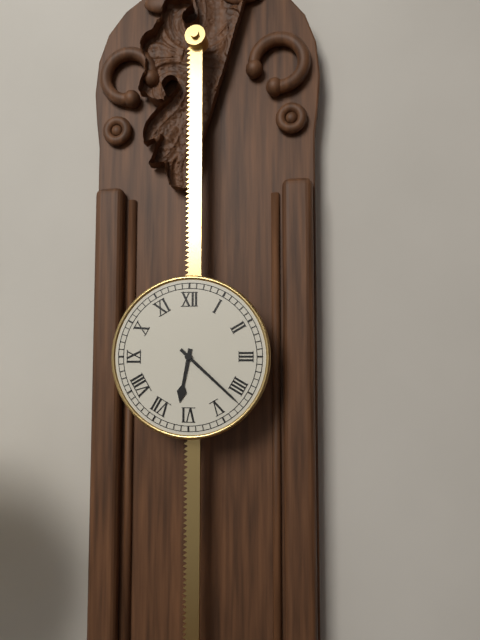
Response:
6.22
